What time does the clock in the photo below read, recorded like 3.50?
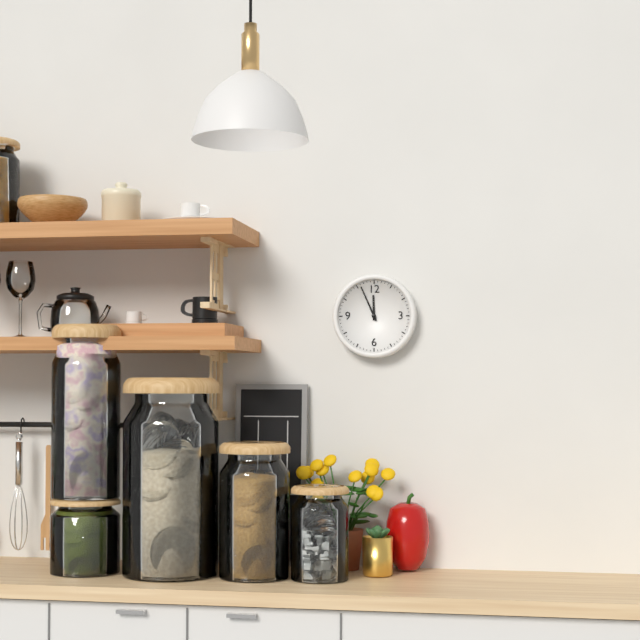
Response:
11.56
